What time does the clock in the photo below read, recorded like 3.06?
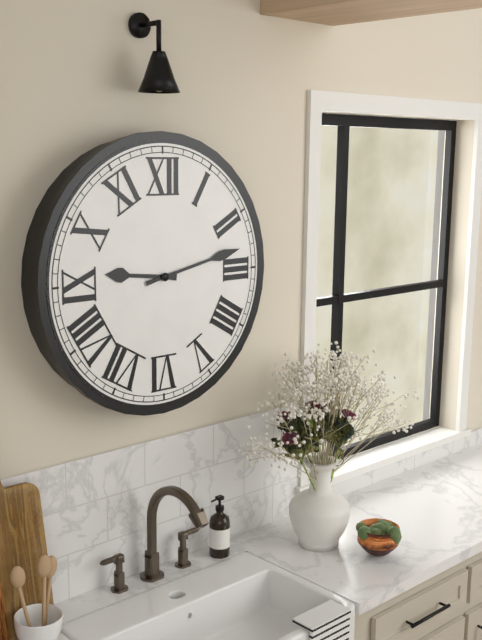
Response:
9.13
